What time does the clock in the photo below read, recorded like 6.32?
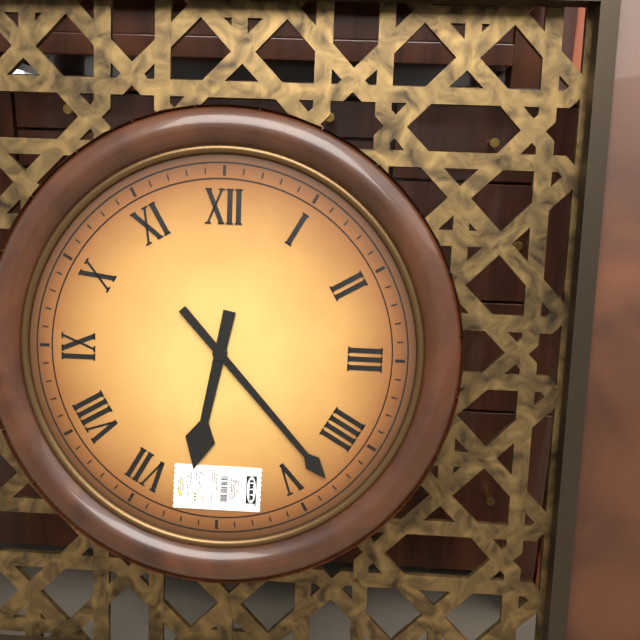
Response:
6.23
